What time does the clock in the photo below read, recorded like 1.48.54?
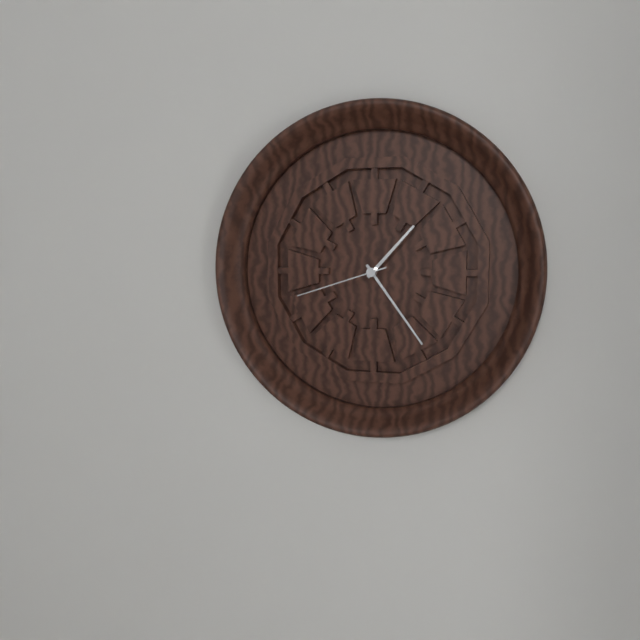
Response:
1.24.42
